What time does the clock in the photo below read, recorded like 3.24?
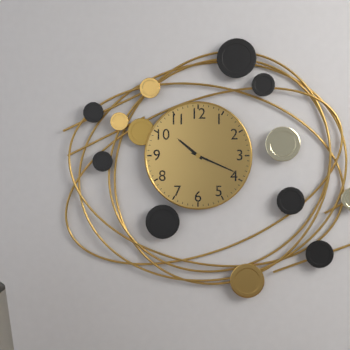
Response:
10.19
